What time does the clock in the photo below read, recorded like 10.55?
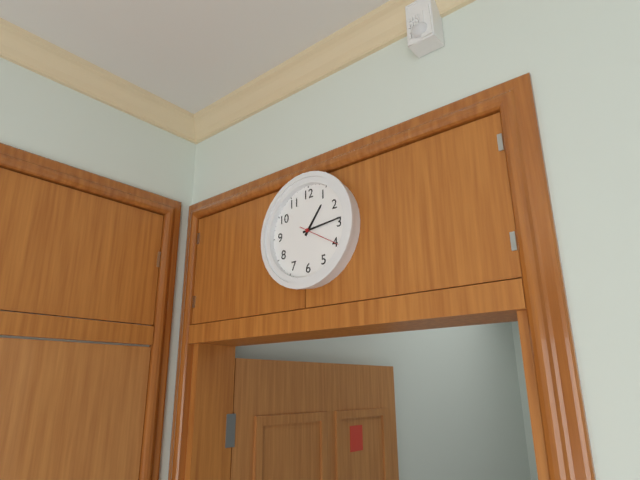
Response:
1.14
